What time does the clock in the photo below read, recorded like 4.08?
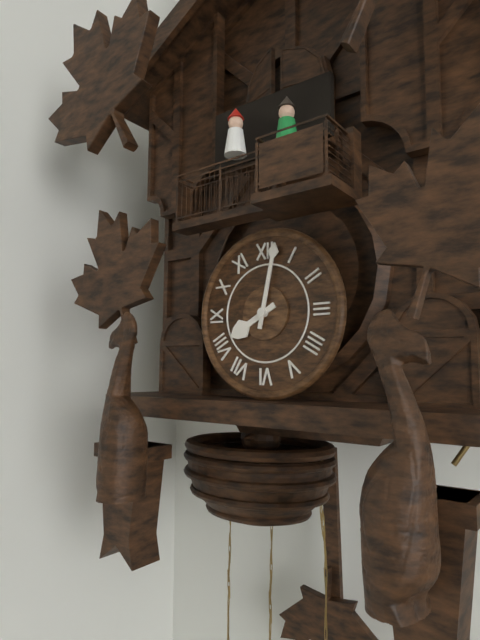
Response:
8.02
